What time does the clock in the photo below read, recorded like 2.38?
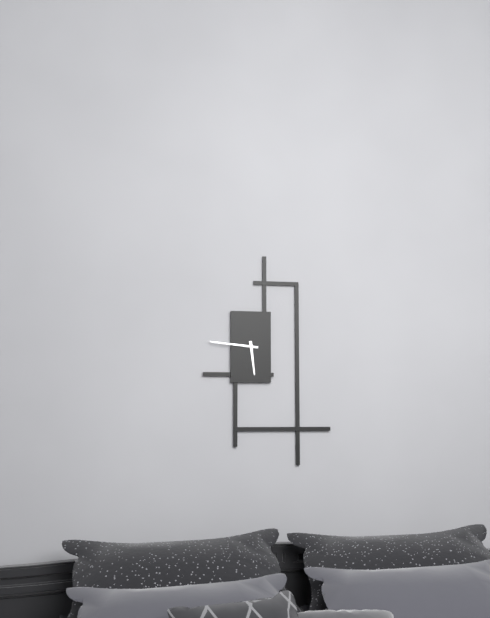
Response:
5.46
